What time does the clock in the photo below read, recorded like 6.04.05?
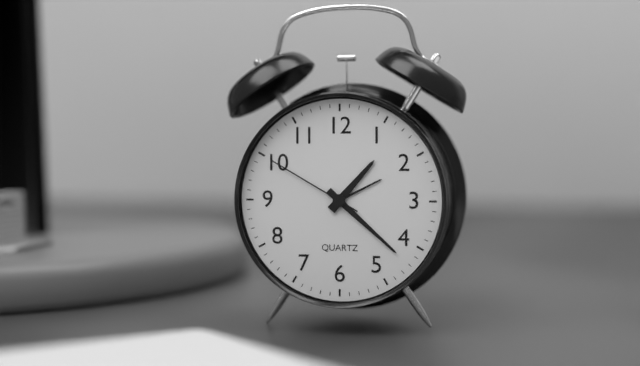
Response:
1.22.50
